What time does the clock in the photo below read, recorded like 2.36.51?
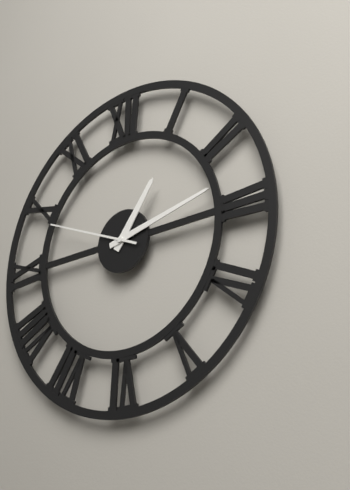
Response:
1.13.49
